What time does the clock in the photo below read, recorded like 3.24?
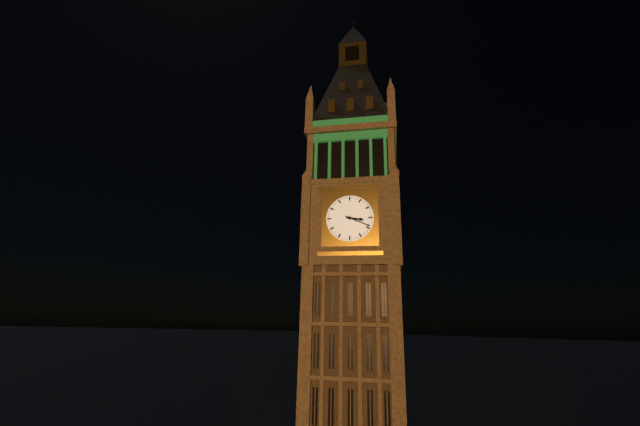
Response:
3.19
